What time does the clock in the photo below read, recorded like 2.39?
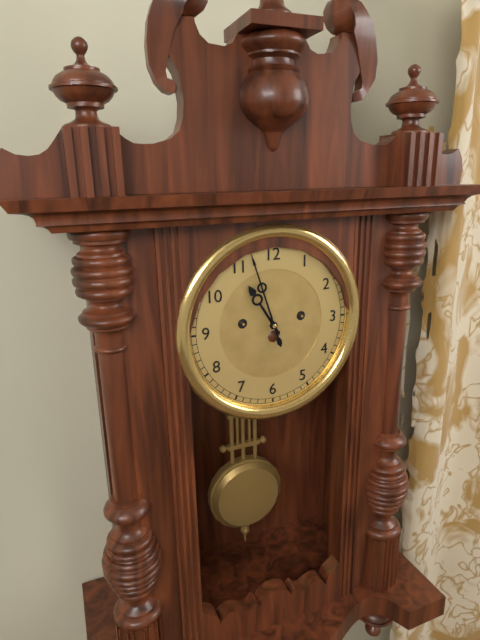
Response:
10.57
